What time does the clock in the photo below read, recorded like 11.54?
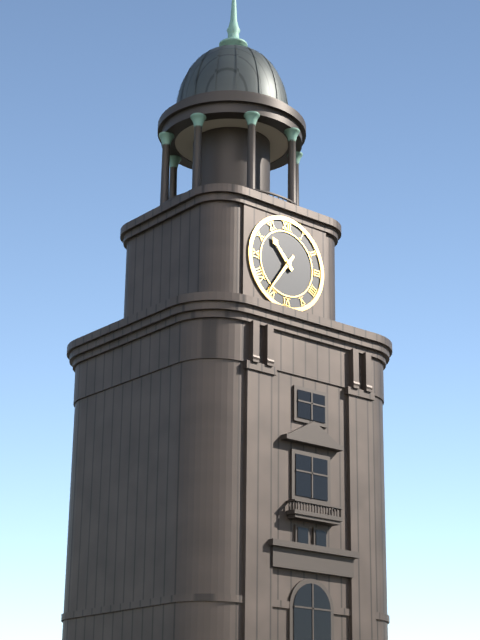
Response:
10.36
